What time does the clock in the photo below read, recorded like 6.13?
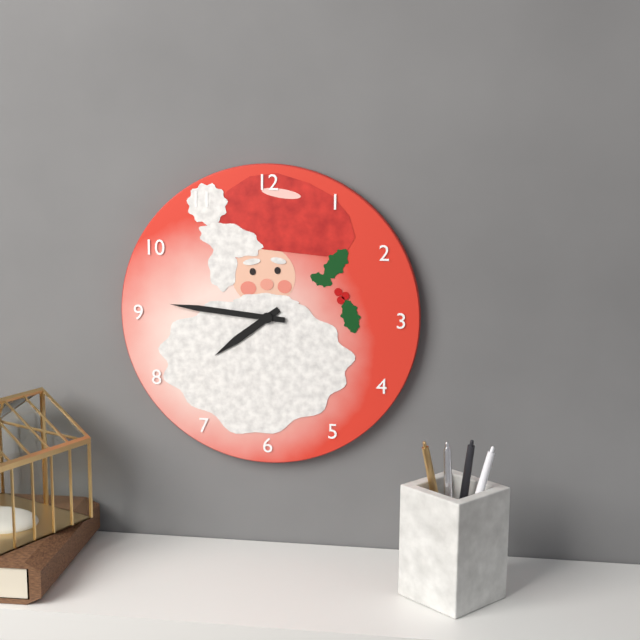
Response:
7.46
